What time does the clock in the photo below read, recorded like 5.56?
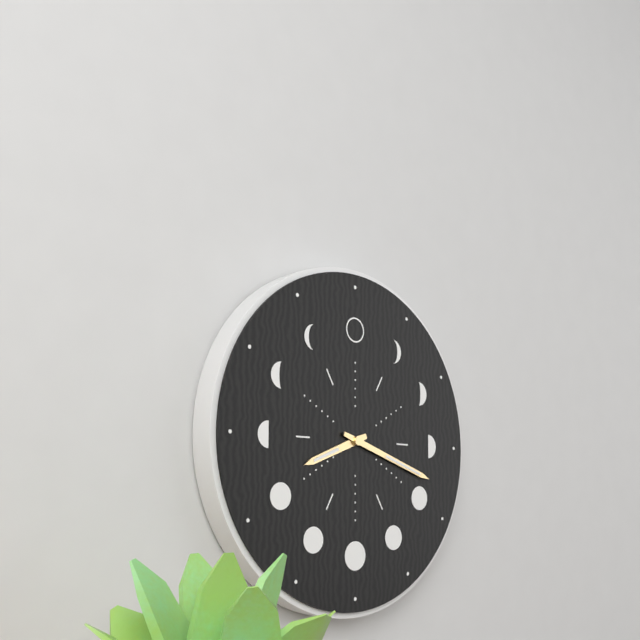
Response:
8.18
